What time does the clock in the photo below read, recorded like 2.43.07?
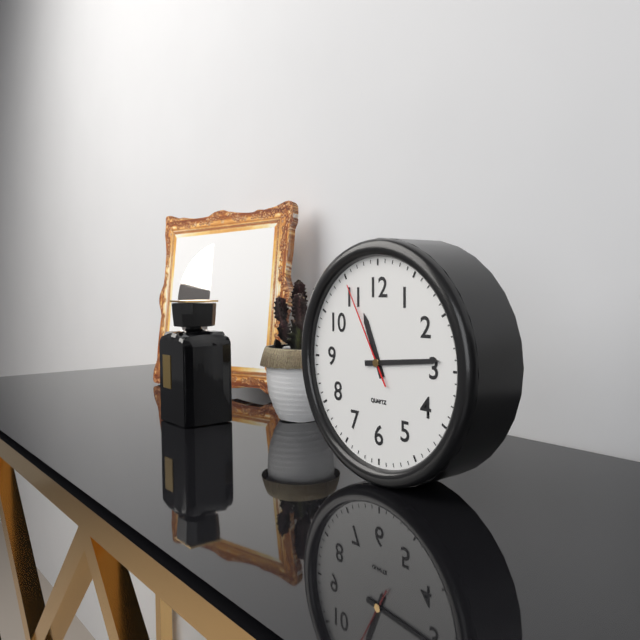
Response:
11.14.55
